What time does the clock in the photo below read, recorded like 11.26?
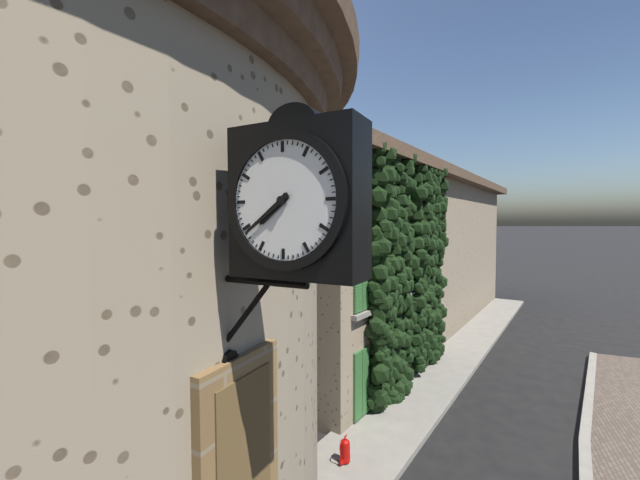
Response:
7.39
